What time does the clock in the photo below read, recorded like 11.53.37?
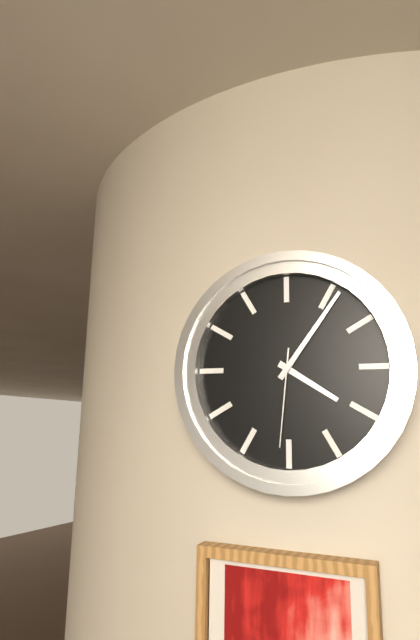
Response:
4.06.31
